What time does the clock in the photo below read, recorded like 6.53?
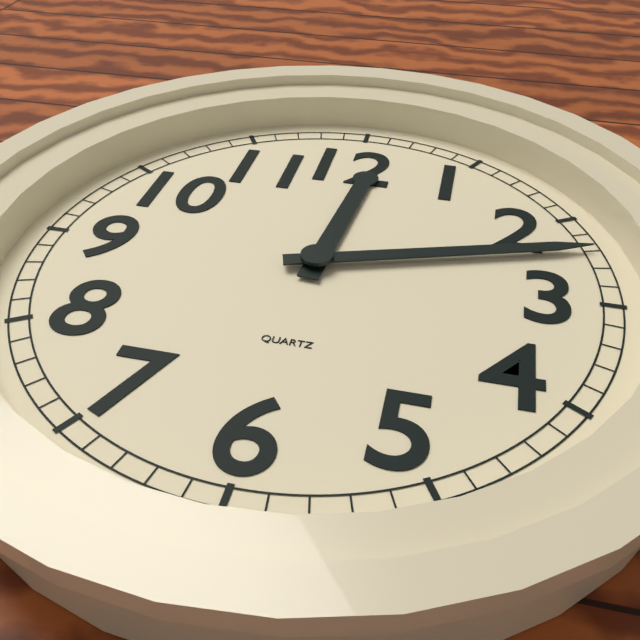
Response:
12.12
